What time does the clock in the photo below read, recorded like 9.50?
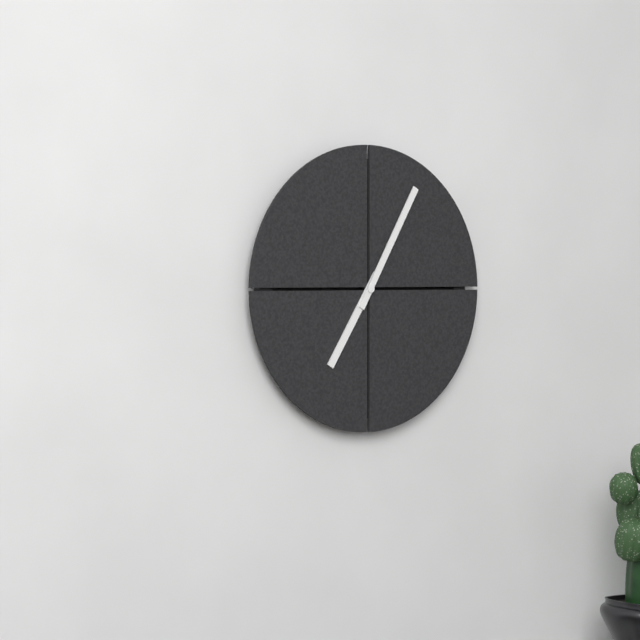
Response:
7.05
